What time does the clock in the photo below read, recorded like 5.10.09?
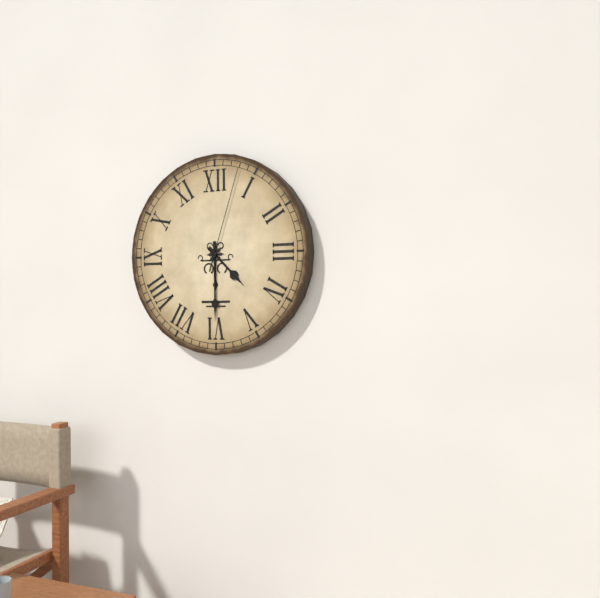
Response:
4.30.03
